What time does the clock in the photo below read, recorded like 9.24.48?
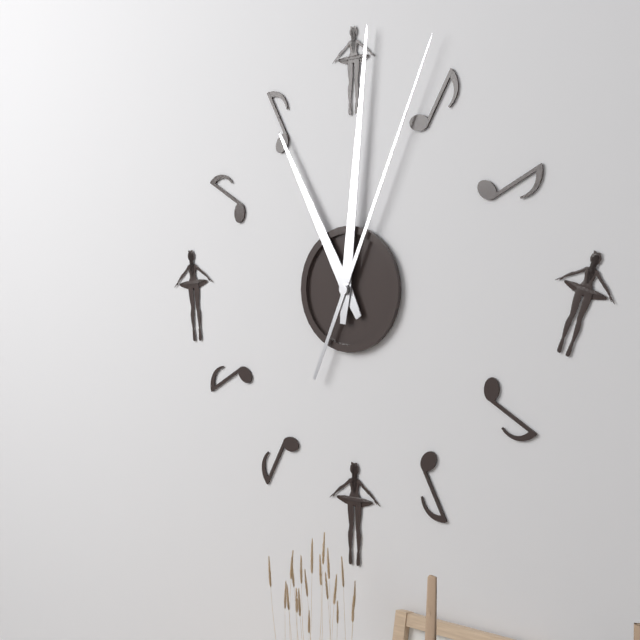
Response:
11.01.04
